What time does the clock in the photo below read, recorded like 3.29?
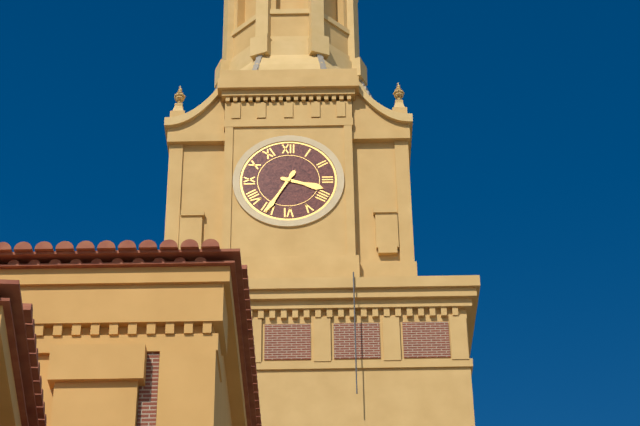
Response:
3.35
